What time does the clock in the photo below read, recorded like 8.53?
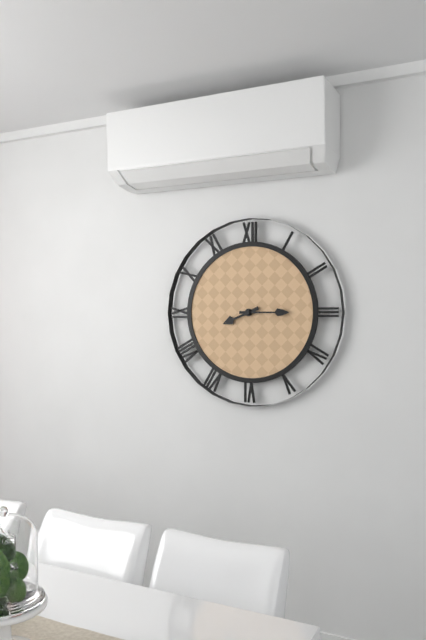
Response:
8.15
